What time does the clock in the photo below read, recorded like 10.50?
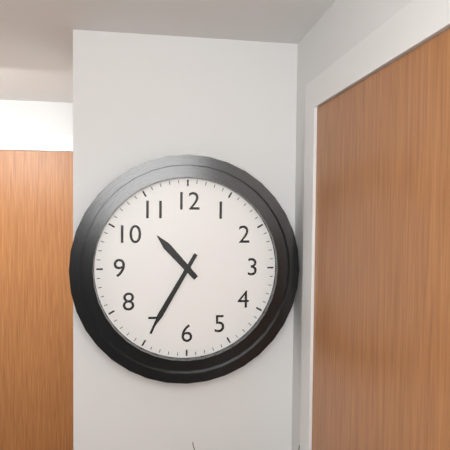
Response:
10.35
